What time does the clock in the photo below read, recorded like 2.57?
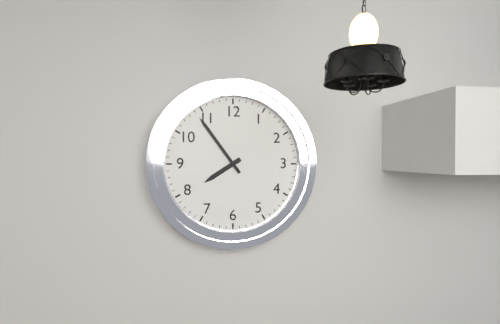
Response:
7.54
